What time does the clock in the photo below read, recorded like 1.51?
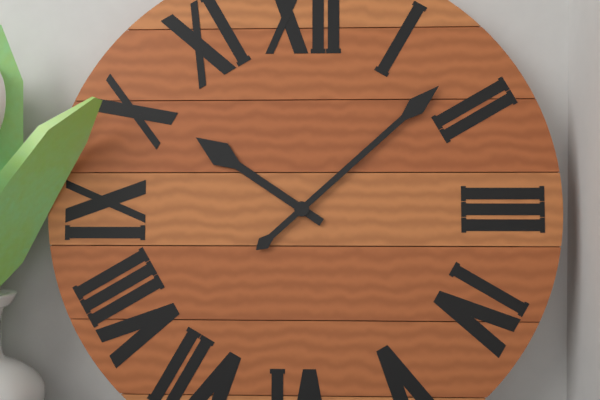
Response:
10.08
